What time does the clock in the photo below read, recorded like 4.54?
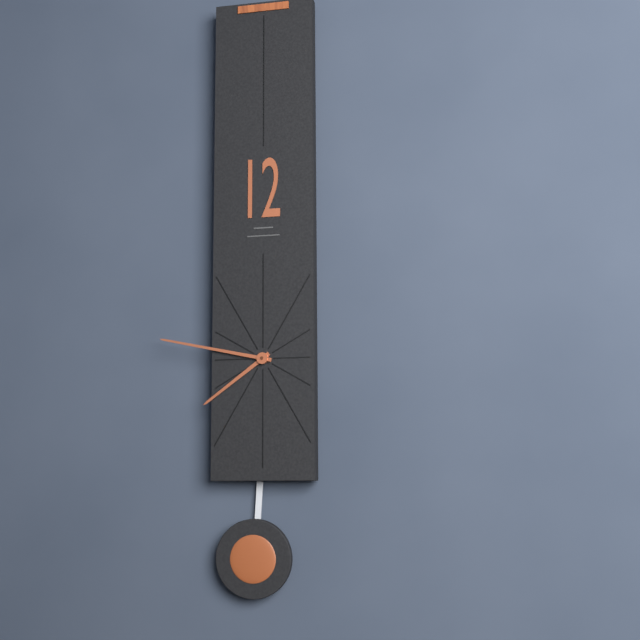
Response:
7.47
